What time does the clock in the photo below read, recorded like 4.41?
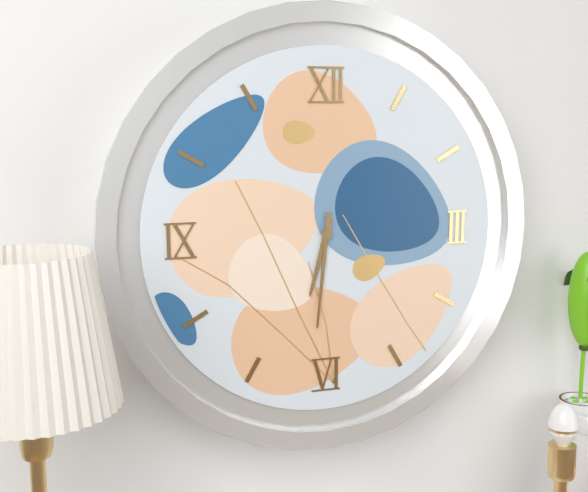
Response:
6.31
